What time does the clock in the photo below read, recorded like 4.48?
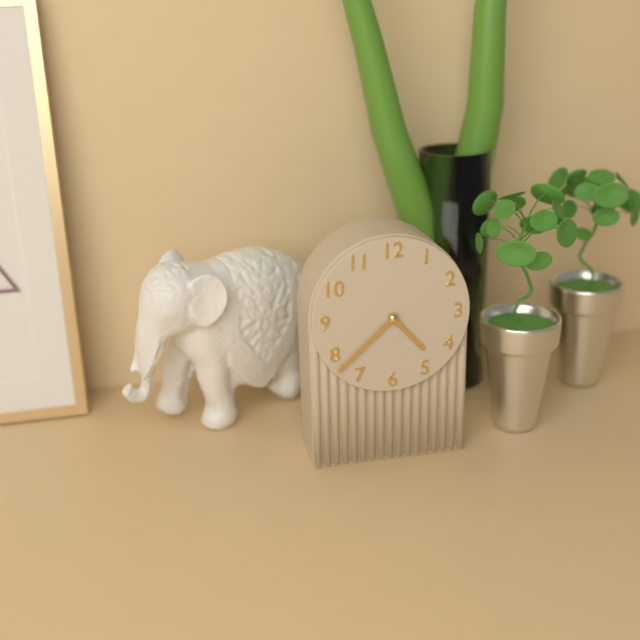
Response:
4.38
